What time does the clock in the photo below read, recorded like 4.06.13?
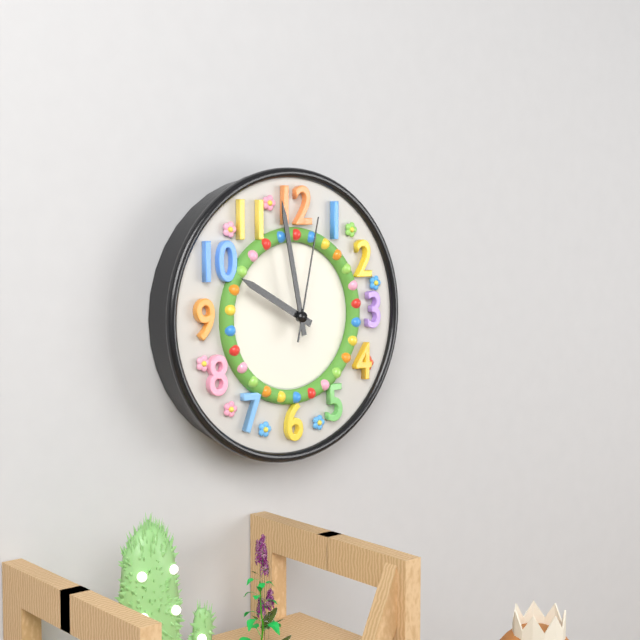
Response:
9.58.02
